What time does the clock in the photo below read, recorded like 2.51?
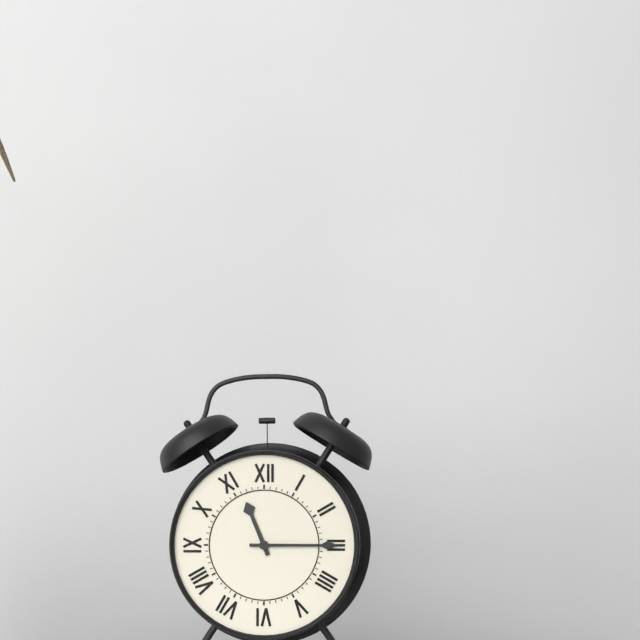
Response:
11.15
